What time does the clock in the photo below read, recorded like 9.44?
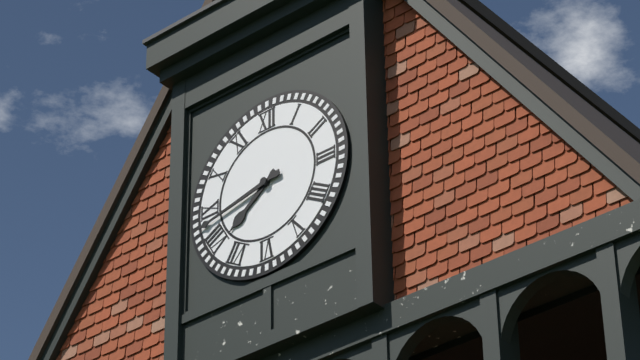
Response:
7.43
